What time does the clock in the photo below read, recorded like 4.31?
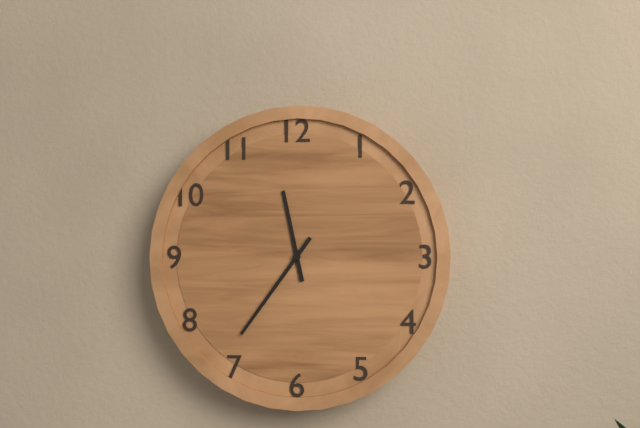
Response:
11.36
